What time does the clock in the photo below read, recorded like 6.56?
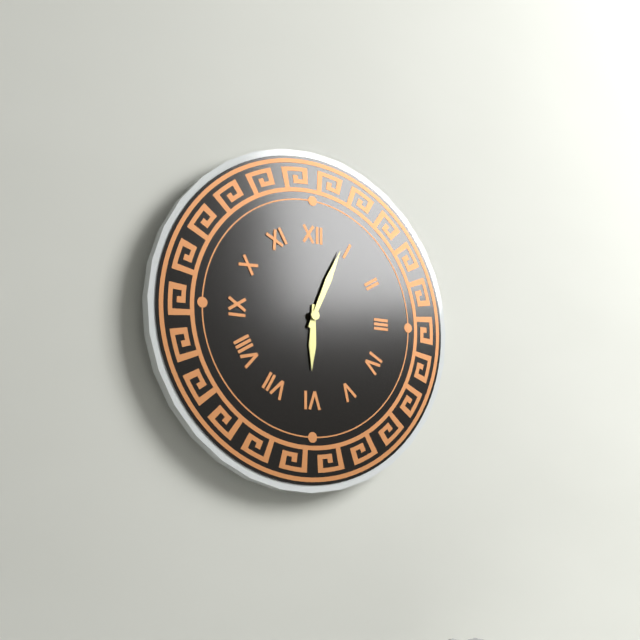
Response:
6.04
